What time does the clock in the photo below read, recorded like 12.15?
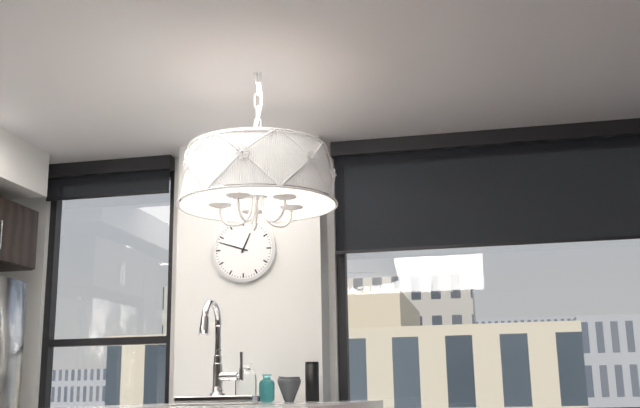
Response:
12.48
